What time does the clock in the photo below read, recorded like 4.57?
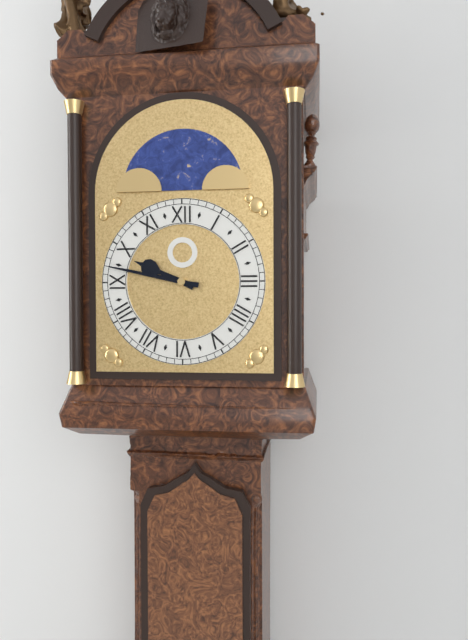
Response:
9.47
